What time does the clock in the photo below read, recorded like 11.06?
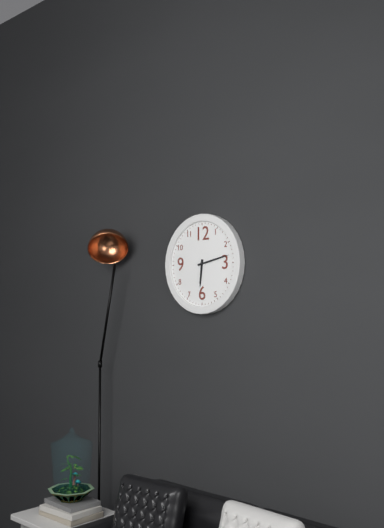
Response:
6.13
